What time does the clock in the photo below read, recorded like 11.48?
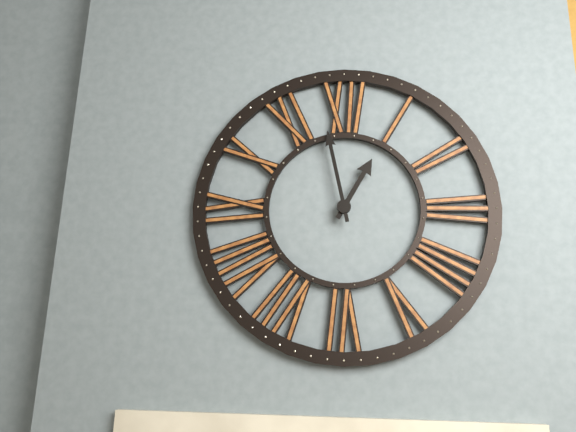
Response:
12.58
